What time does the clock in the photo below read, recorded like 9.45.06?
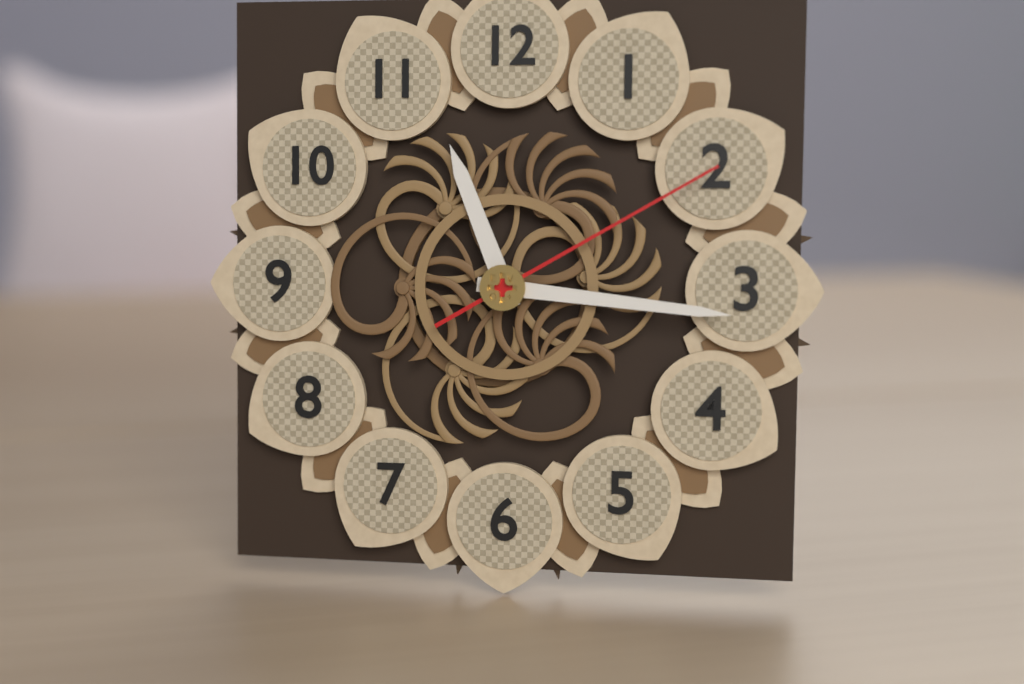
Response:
11.16.10
